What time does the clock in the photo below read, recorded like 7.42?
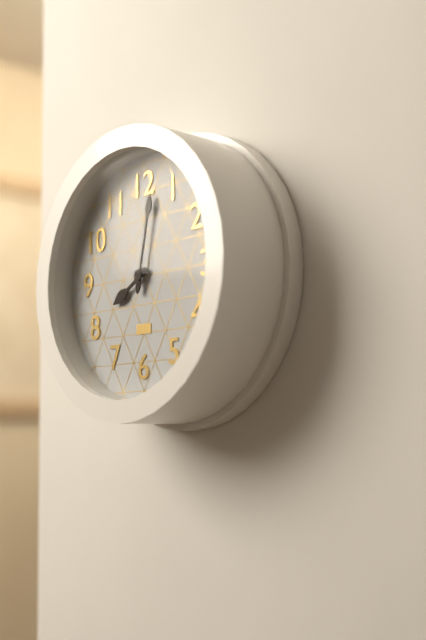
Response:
8.02
